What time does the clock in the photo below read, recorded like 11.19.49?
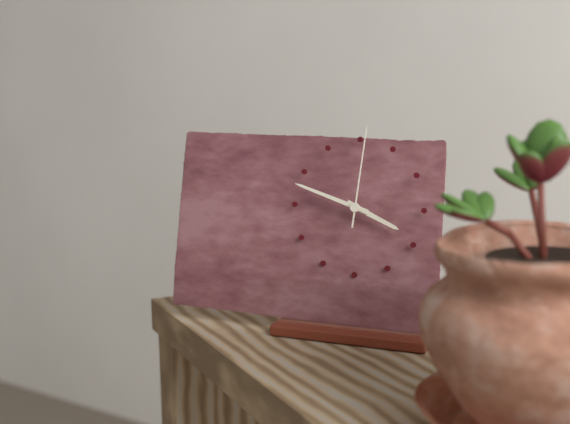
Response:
3.48.01
